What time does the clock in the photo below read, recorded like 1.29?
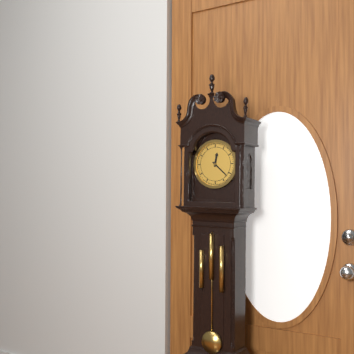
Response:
12.22
